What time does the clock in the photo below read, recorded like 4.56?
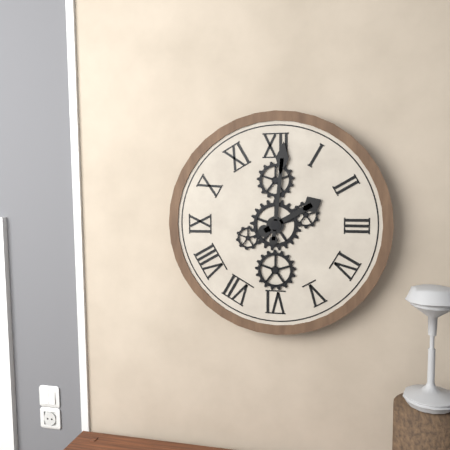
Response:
2.01
